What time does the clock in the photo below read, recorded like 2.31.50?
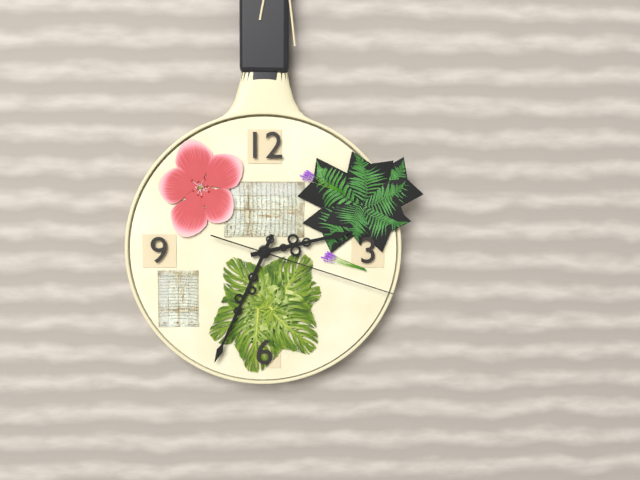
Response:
2.34.18
